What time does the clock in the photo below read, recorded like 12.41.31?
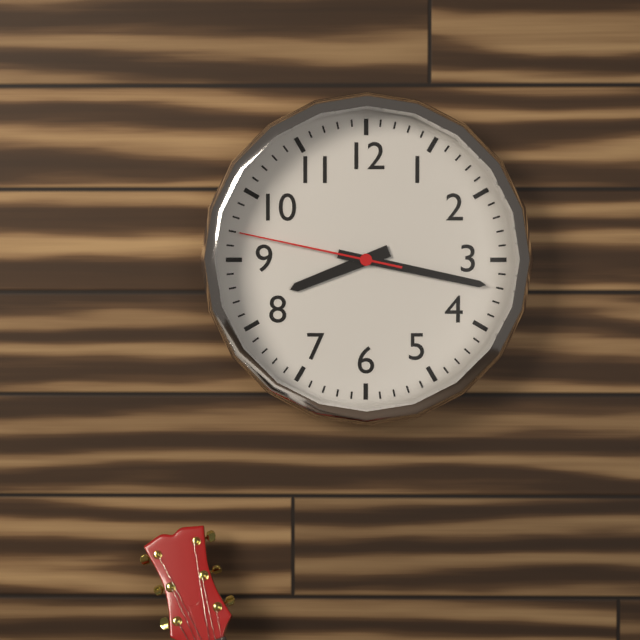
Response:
8.17.47
